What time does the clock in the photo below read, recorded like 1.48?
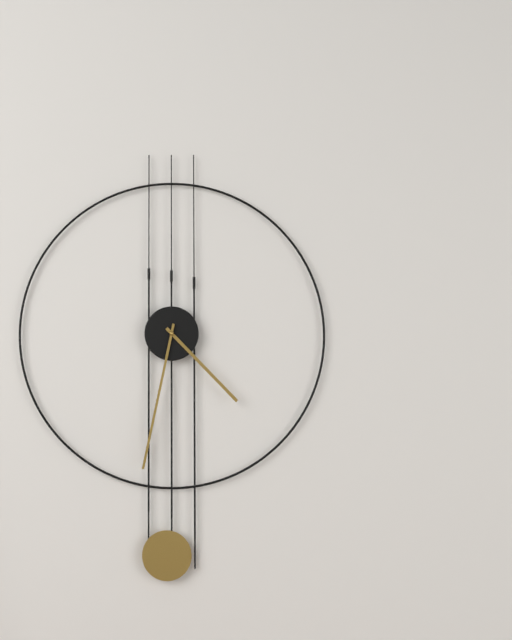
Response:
4.32
